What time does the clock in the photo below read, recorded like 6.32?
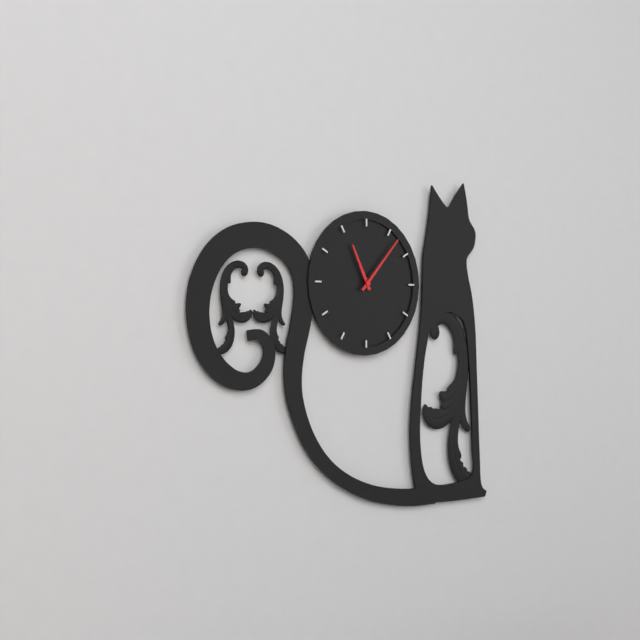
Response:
11.07
